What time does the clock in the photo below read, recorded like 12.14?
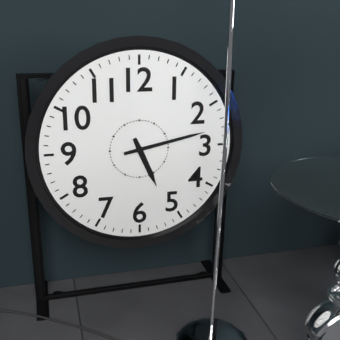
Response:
5.13
